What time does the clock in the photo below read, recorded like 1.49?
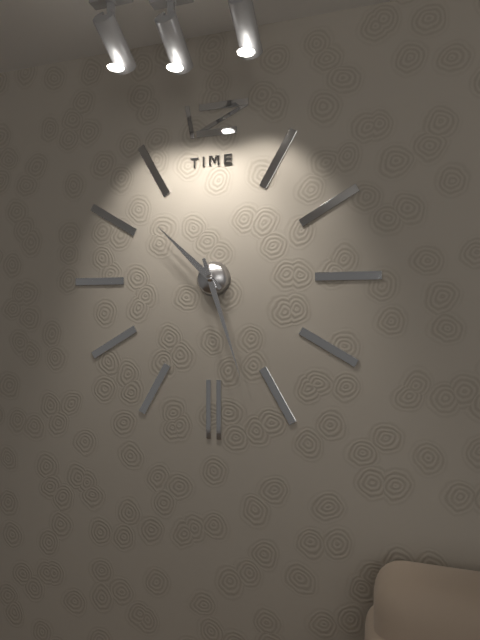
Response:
10.27
